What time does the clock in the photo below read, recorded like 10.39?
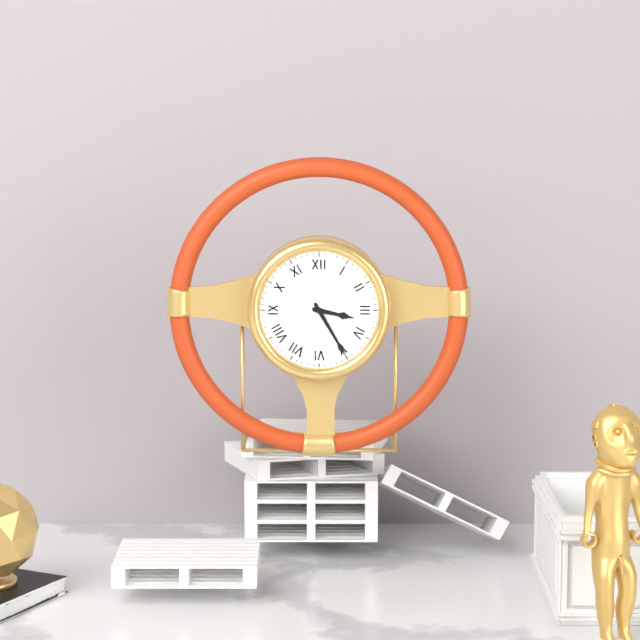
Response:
3.25
